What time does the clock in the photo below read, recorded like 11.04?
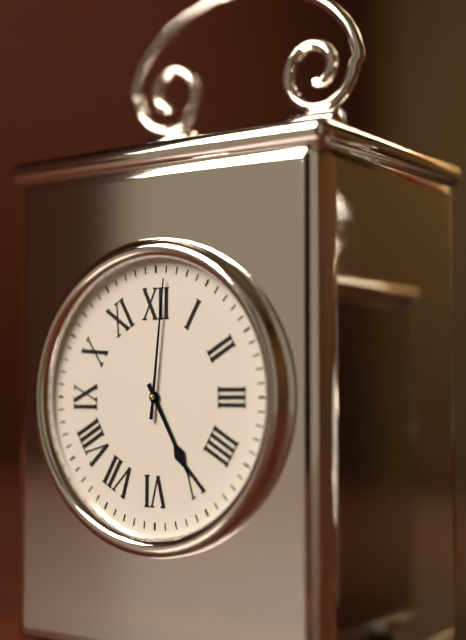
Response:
5.01
